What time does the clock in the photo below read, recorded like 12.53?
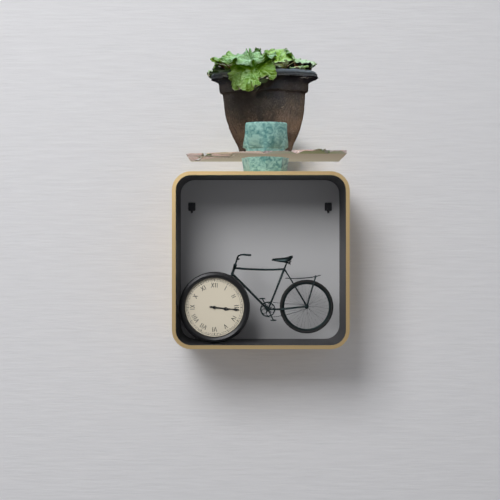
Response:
3.16
